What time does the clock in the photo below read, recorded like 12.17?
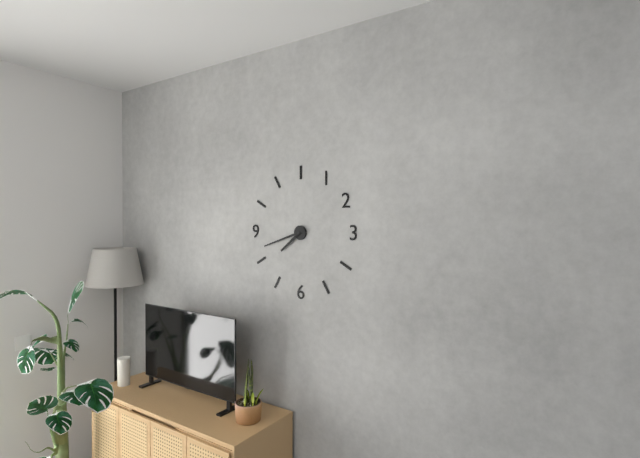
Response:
7.42
